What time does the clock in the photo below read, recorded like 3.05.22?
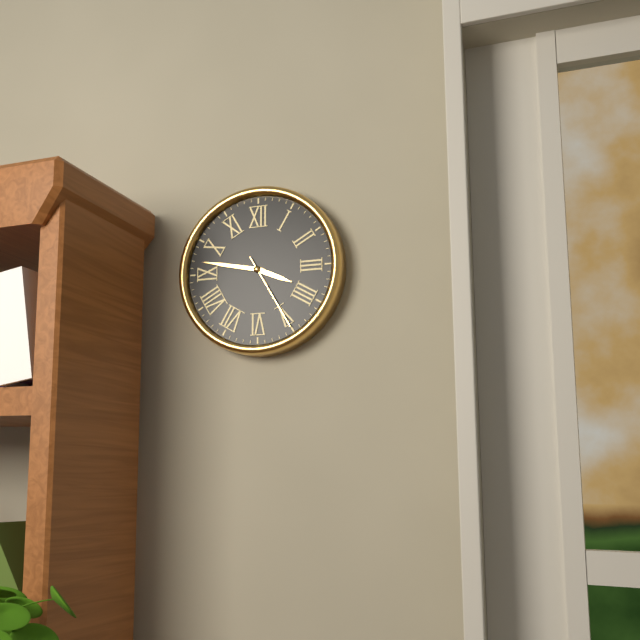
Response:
3.47.25
